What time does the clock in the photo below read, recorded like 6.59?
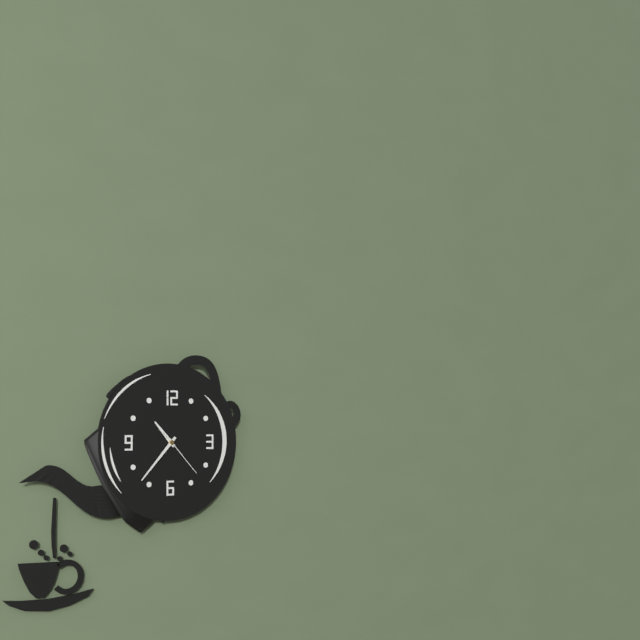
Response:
10.37
